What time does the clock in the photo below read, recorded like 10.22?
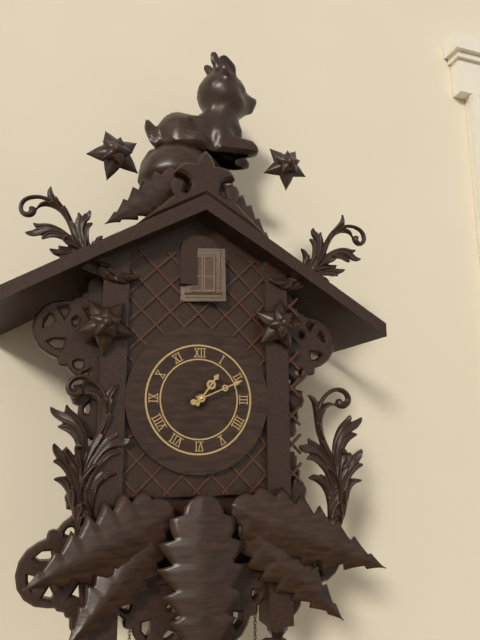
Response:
1.11
